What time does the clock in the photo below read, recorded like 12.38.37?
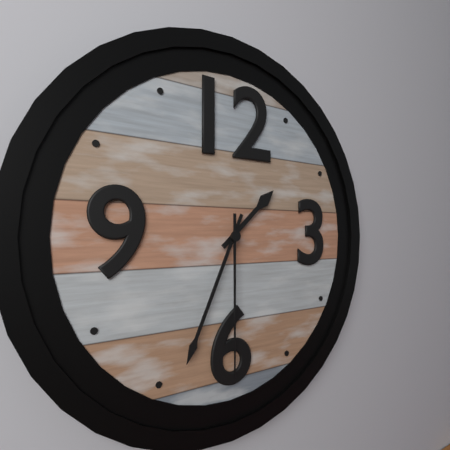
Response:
1.34.30
